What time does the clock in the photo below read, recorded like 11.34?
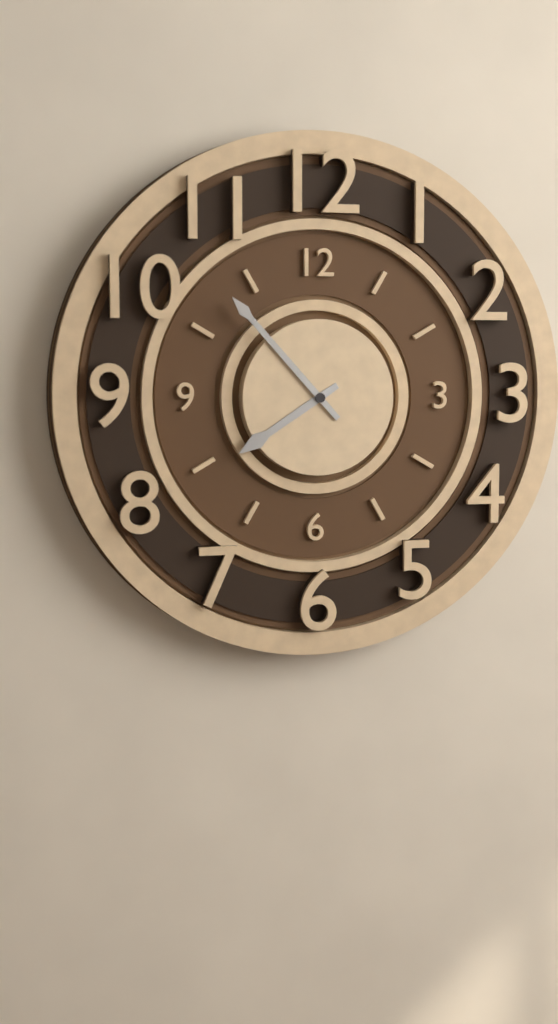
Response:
7.53
